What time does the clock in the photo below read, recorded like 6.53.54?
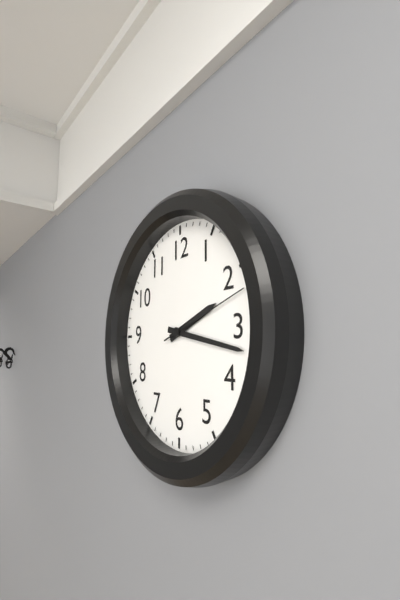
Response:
2.17.12
